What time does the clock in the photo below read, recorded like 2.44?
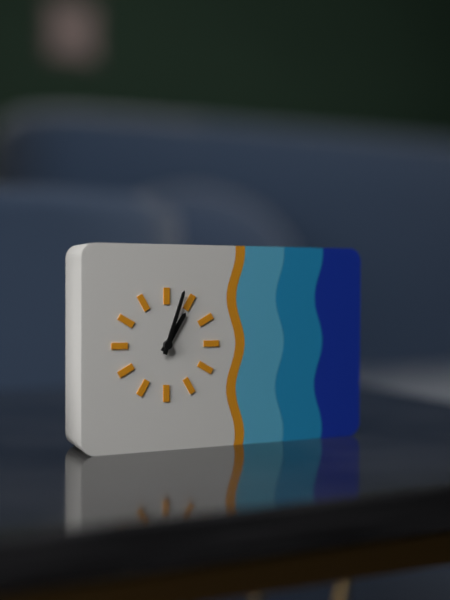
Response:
1.03
